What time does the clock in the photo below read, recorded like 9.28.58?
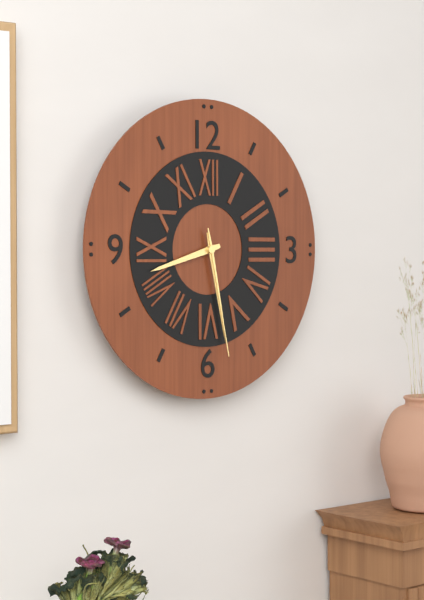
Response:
8.28.28
